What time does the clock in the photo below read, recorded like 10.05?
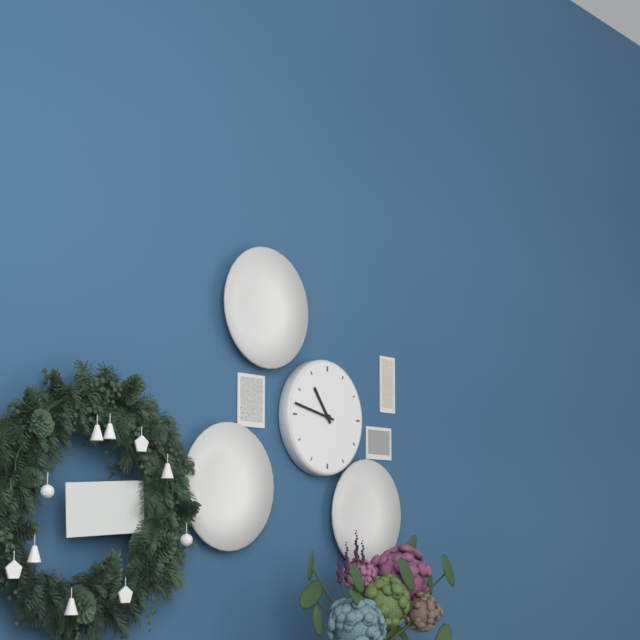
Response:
10.47
